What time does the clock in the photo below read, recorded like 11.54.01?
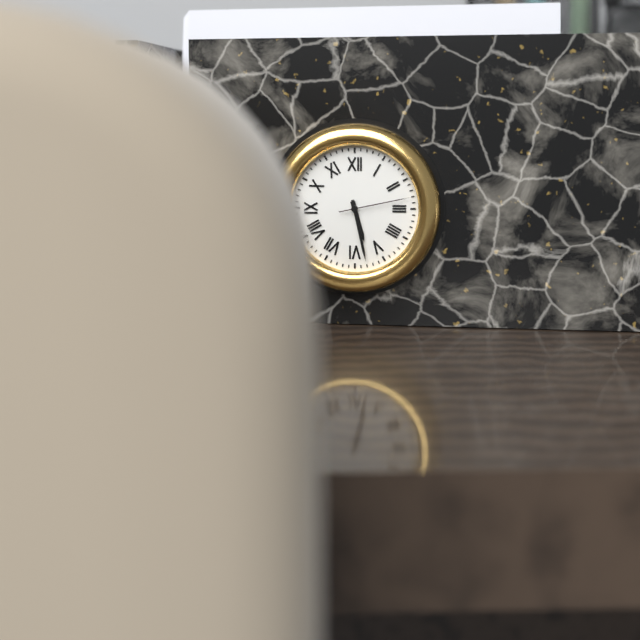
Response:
5.28.13
